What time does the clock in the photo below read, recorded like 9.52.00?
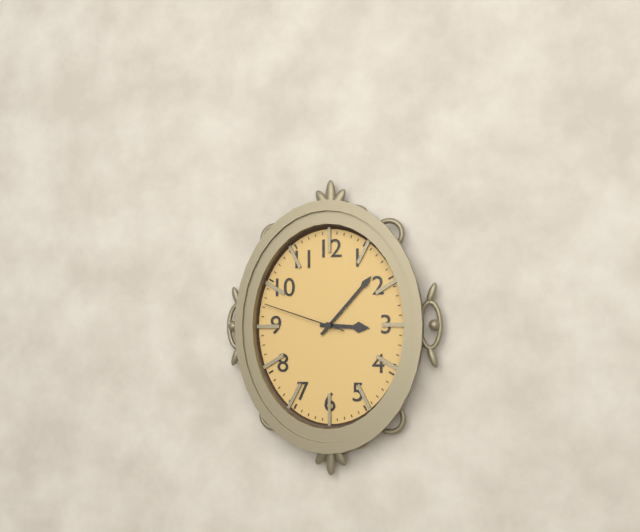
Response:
3.07.48
